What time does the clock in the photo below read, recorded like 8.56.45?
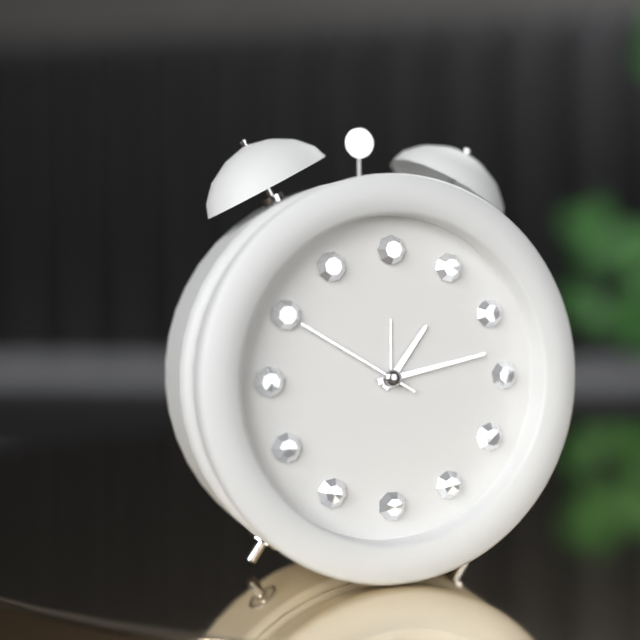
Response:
1.13.50
